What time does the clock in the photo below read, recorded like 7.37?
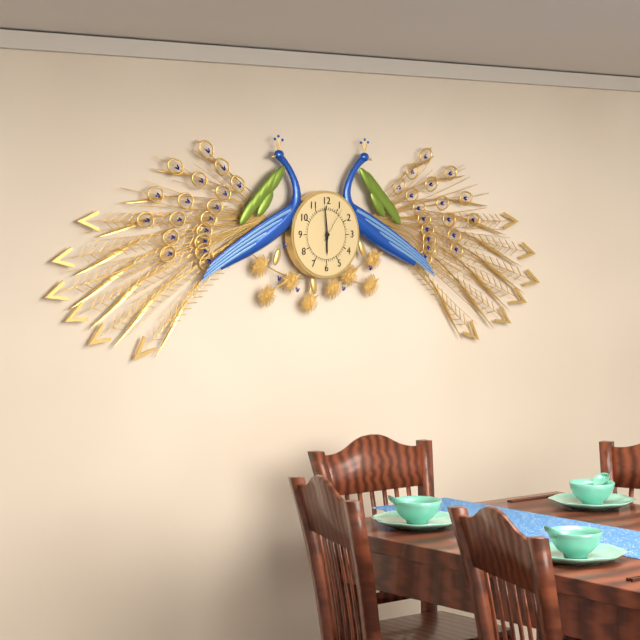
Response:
5.59
